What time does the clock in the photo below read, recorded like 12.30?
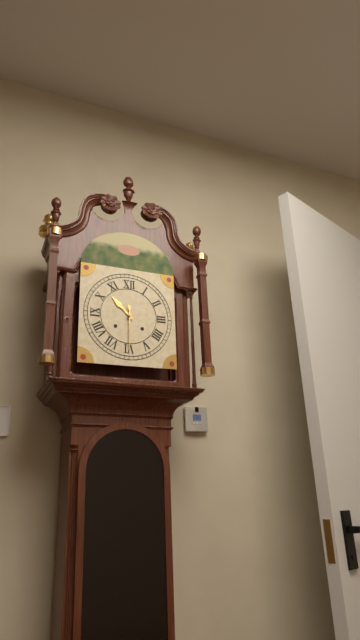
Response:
10.30
